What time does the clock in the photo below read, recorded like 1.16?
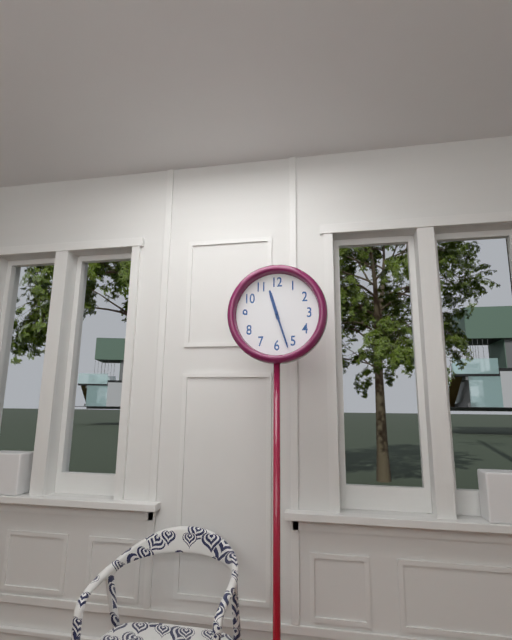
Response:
11.27
